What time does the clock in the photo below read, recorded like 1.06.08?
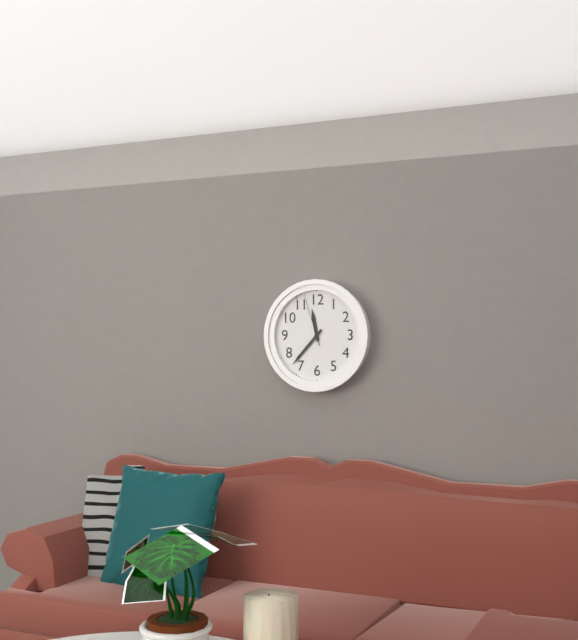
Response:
11.37.57
